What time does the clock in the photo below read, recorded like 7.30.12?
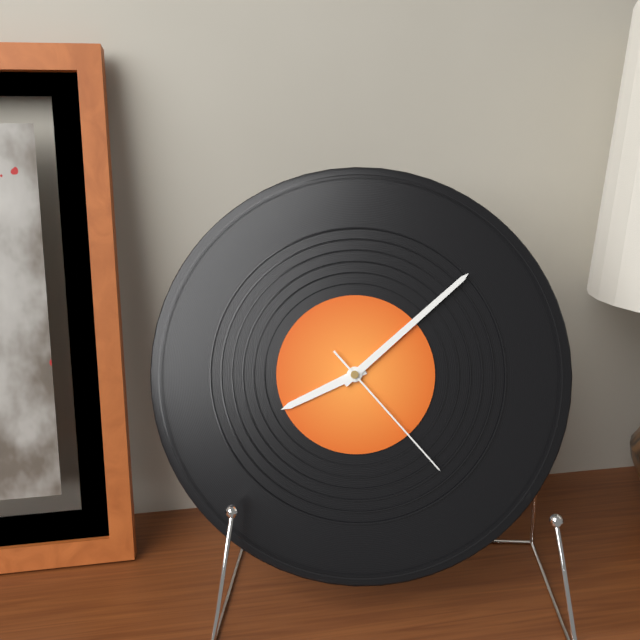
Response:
8.08.23
